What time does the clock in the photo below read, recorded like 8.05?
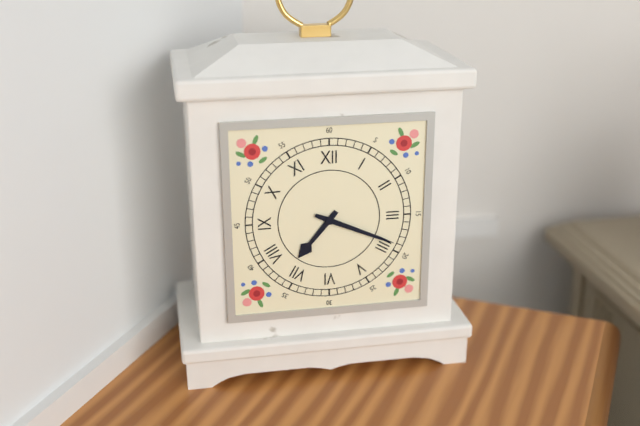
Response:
7.19
